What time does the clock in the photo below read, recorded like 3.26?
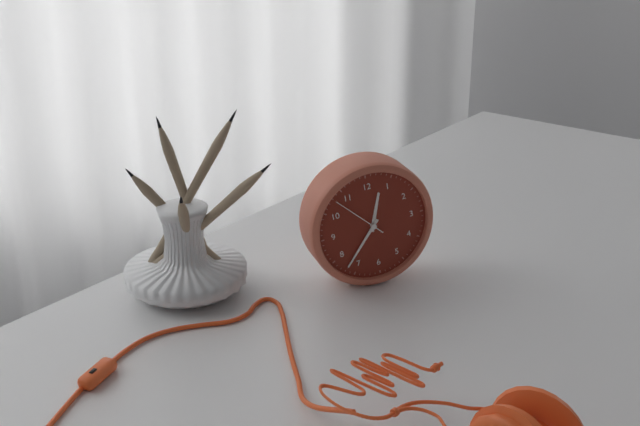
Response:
12.37
